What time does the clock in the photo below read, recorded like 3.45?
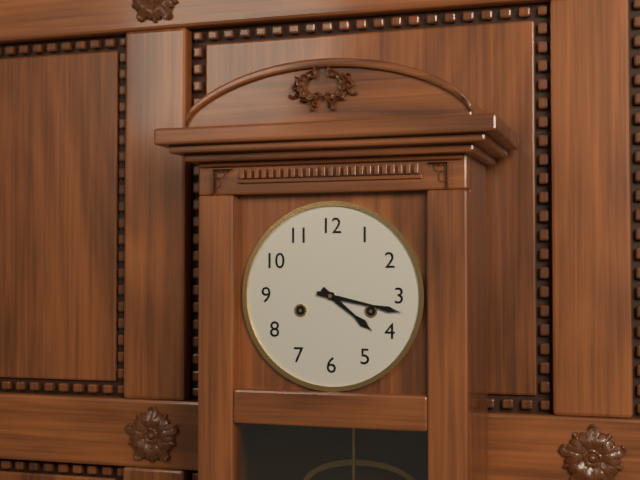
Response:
4.17
